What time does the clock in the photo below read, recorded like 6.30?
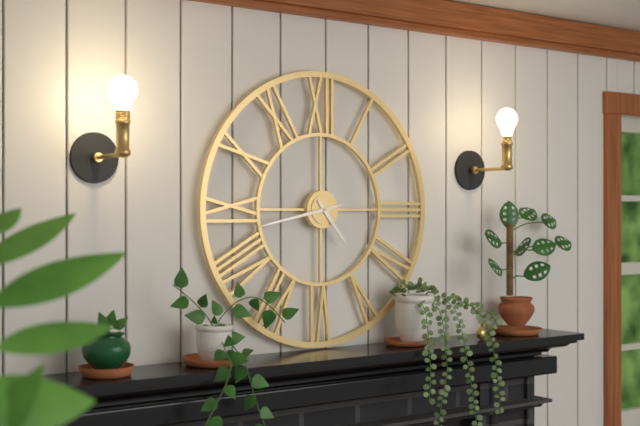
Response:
4.43
